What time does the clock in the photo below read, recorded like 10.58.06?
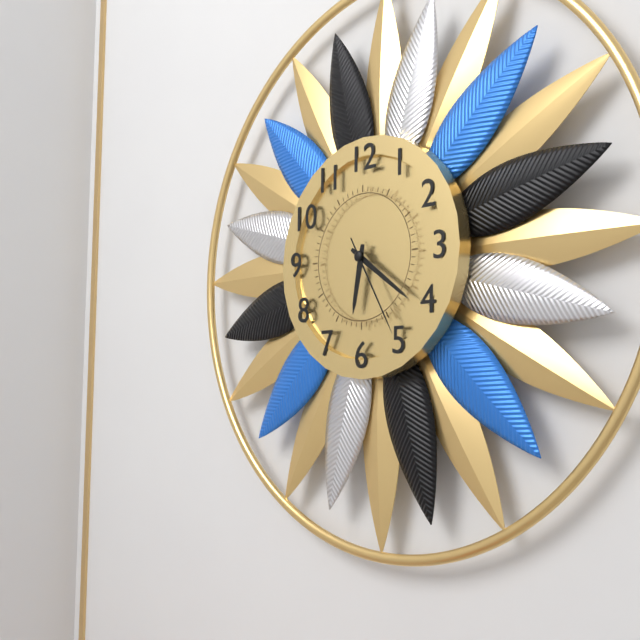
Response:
6.21.25
